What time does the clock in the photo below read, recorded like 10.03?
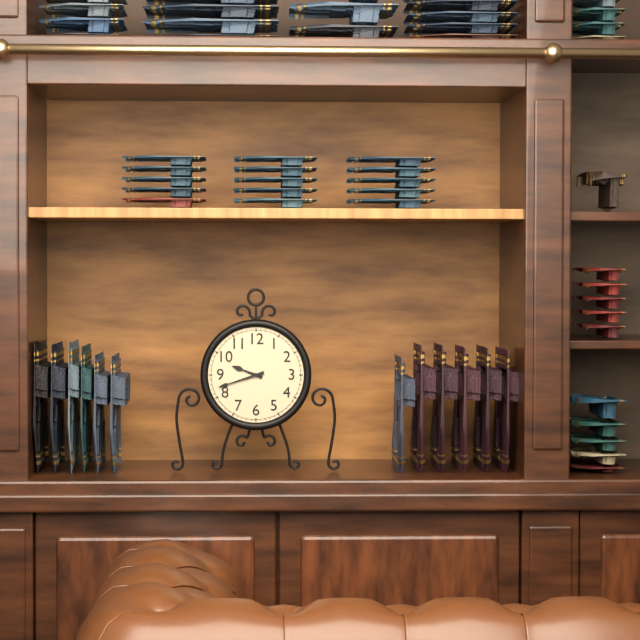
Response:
9.42
